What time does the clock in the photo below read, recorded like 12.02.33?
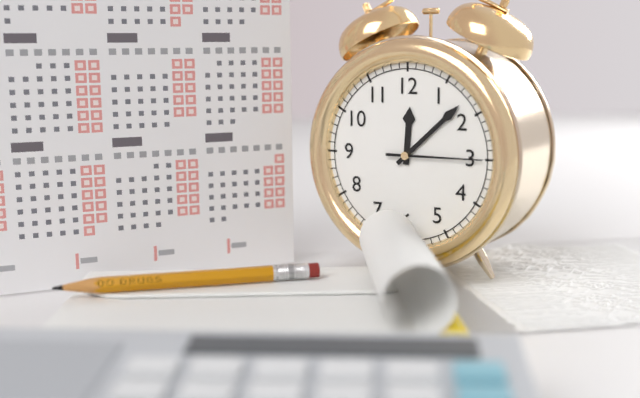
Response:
12.08.15
